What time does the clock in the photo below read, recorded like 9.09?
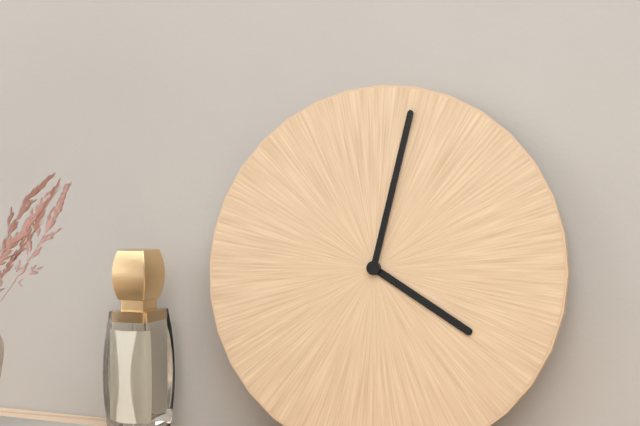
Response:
4.02
